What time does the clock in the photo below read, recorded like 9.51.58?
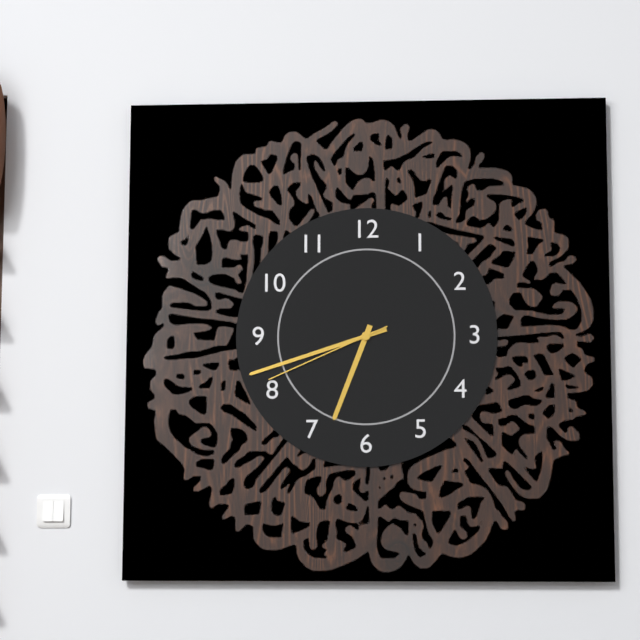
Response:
6.42.41
